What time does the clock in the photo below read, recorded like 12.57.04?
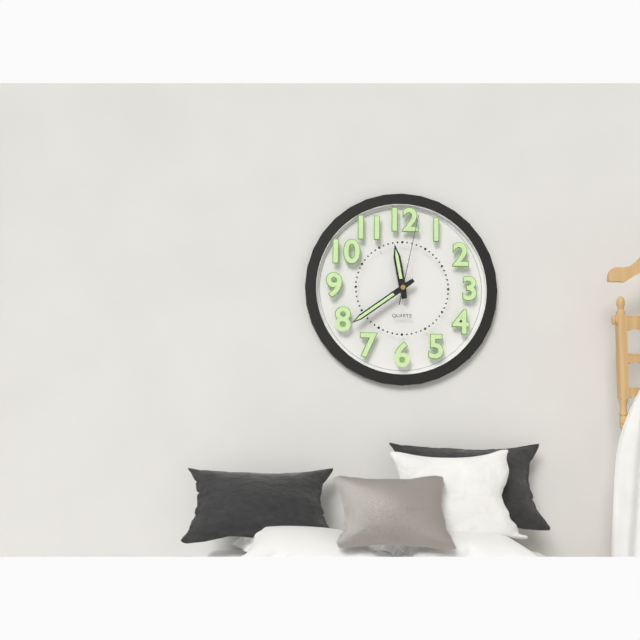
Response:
11.39.02
